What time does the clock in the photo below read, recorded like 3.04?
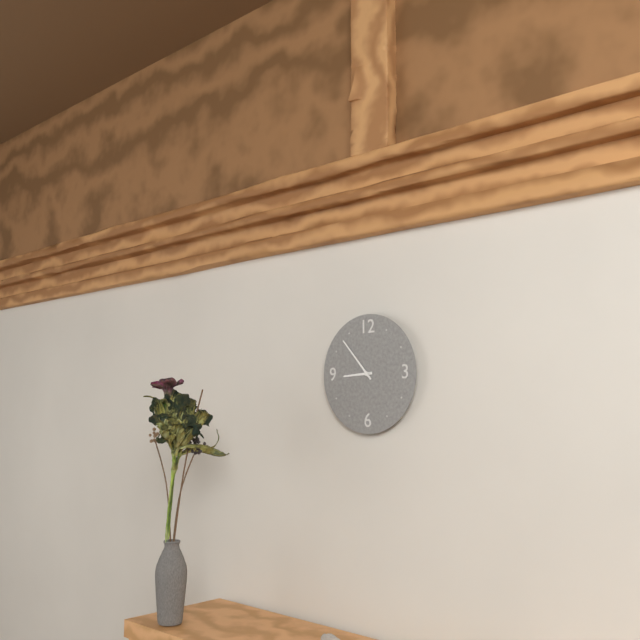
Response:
8.53
